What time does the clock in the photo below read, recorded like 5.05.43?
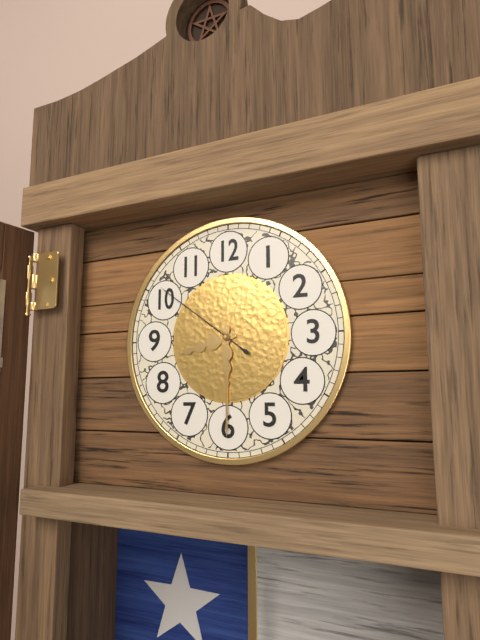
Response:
8.30.51
